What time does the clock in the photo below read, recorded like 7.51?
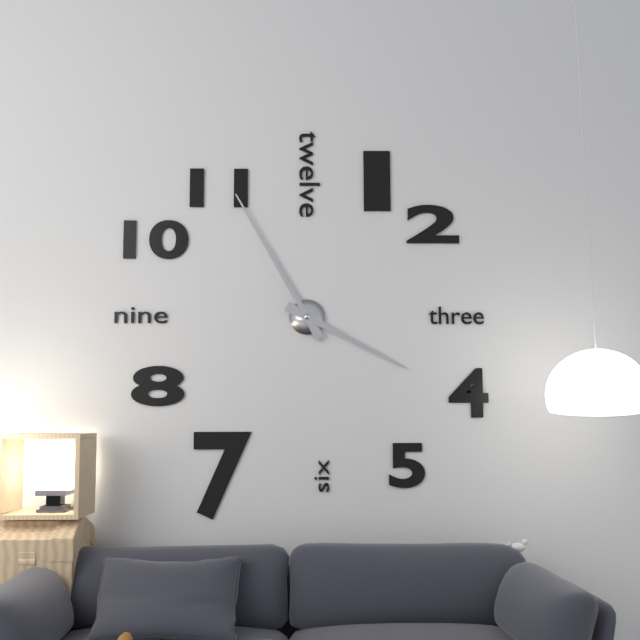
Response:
3.55
